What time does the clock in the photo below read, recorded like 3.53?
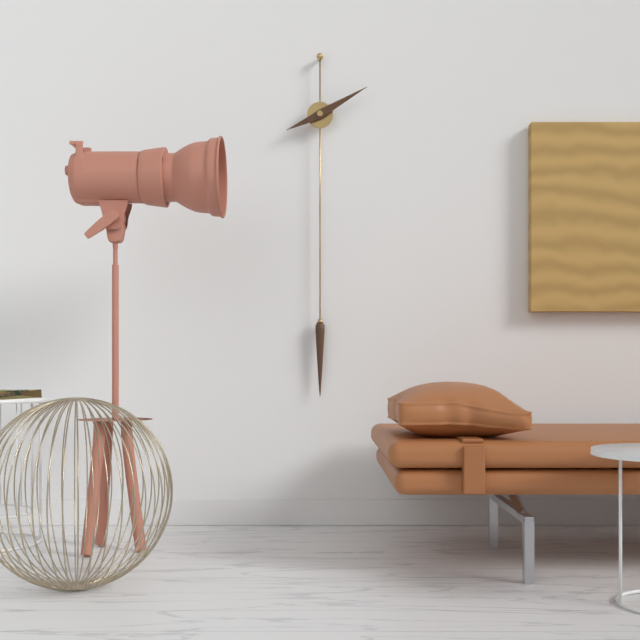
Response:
8.10
